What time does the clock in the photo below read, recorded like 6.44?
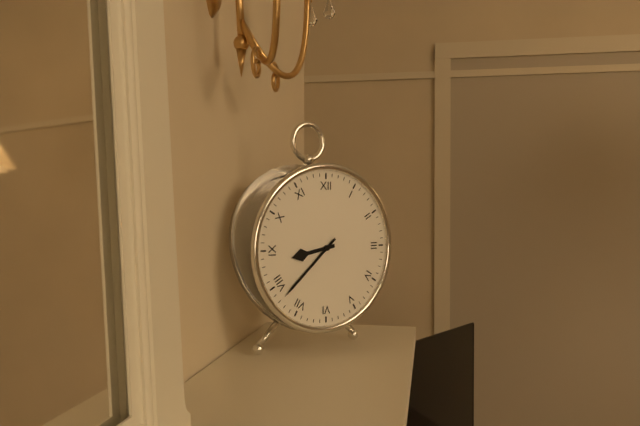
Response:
8.38
